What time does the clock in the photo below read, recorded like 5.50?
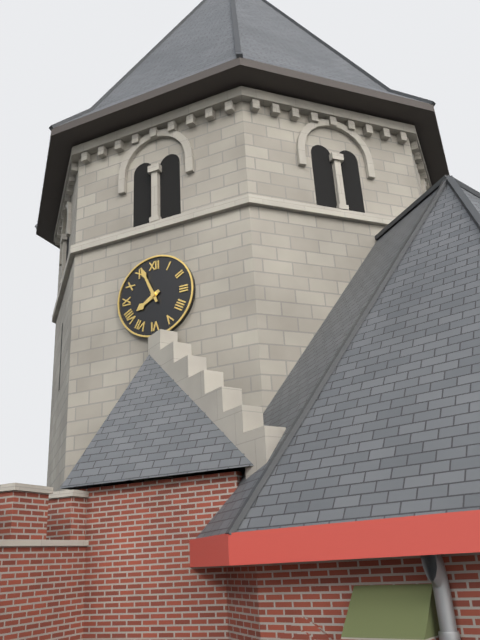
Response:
7.56
